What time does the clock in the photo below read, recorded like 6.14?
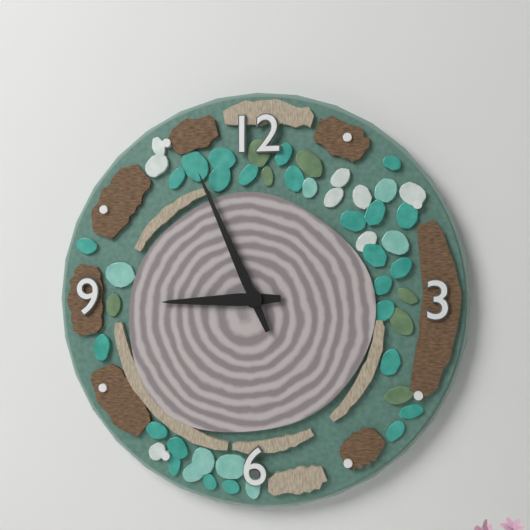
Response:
8.56
